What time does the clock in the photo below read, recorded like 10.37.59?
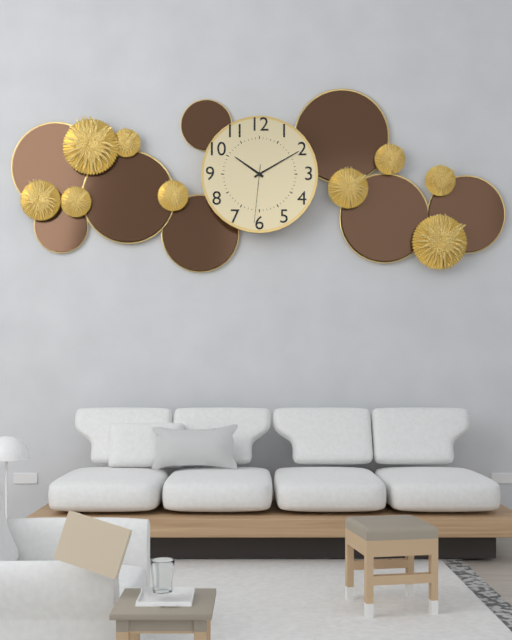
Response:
10.10.31
